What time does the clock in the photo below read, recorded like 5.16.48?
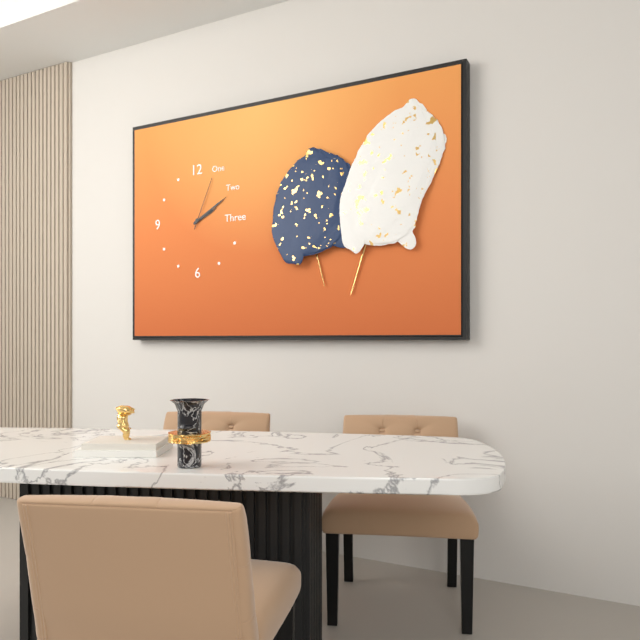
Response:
2.10.04
